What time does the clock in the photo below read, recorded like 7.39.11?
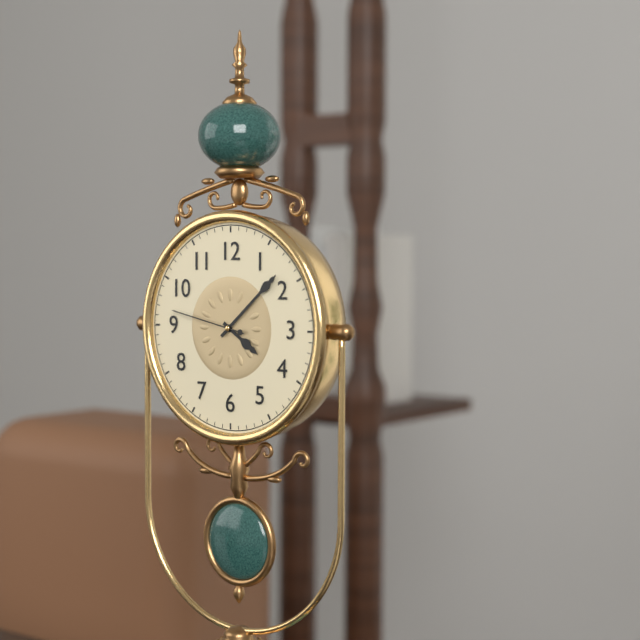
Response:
4.08.47
